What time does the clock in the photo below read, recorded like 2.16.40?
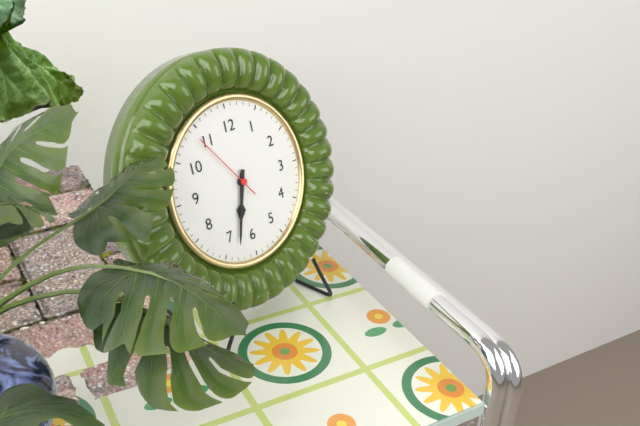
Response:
6.33.54
